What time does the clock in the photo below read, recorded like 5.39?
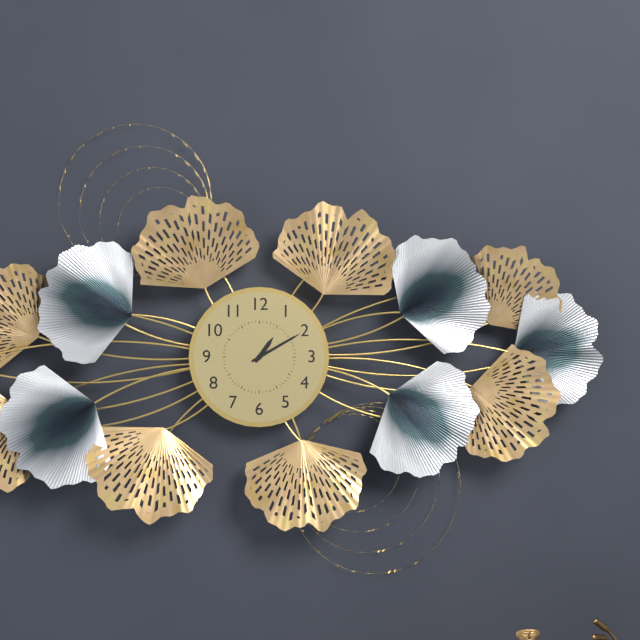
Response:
1.10
